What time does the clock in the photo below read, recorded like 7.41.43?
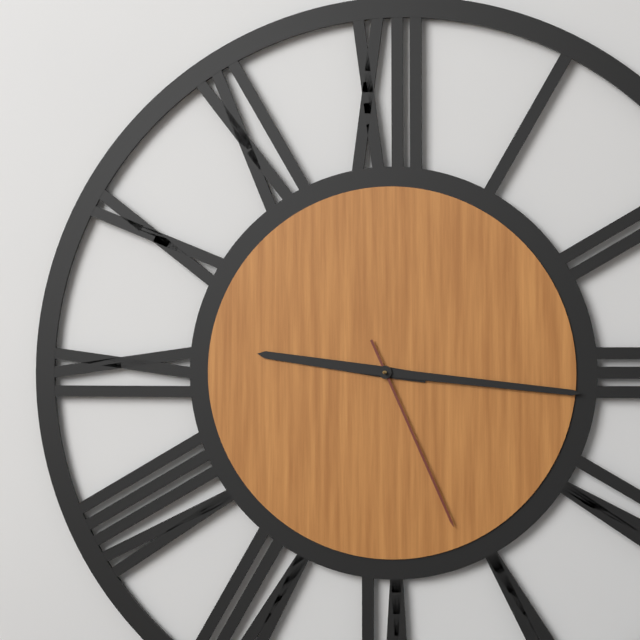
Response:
9.16.26
